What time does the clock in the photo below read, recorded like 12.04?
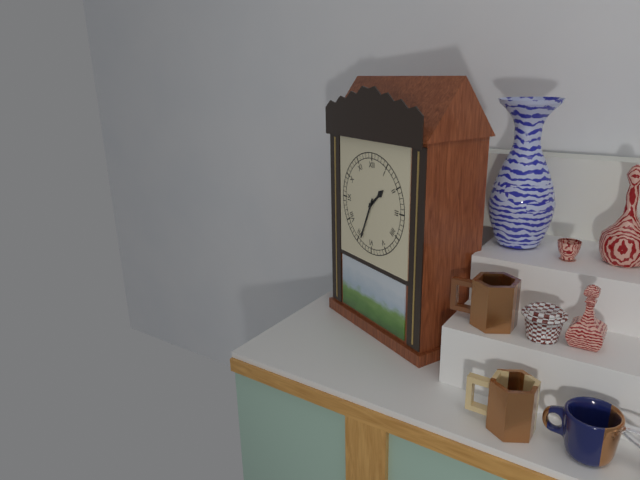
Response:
1.34
